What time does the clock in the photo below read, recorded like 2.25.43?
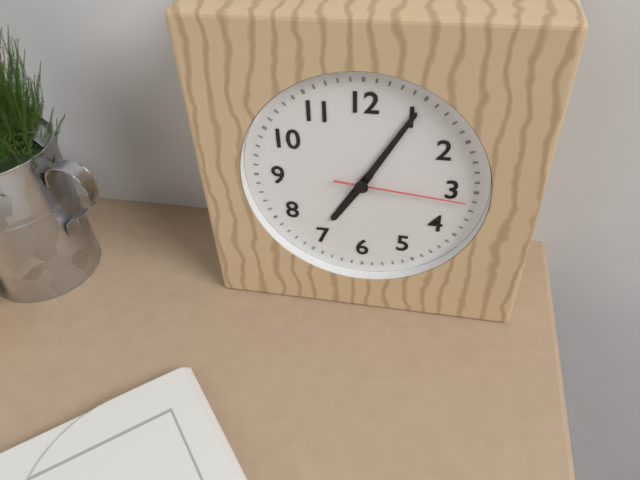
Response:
7.05.16
